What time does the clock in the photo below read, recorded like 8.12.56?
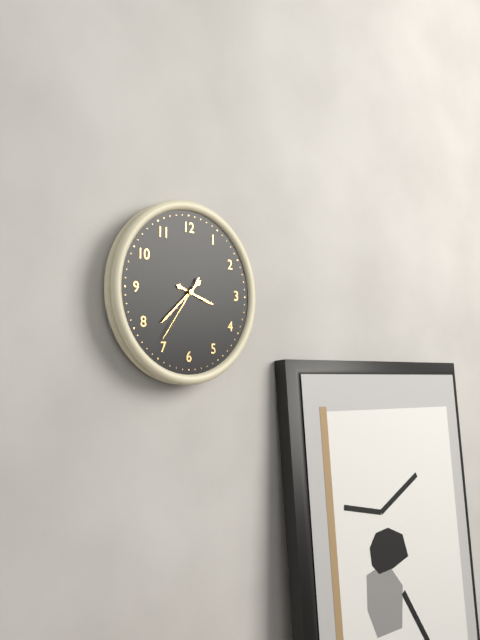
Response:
3.38.36
